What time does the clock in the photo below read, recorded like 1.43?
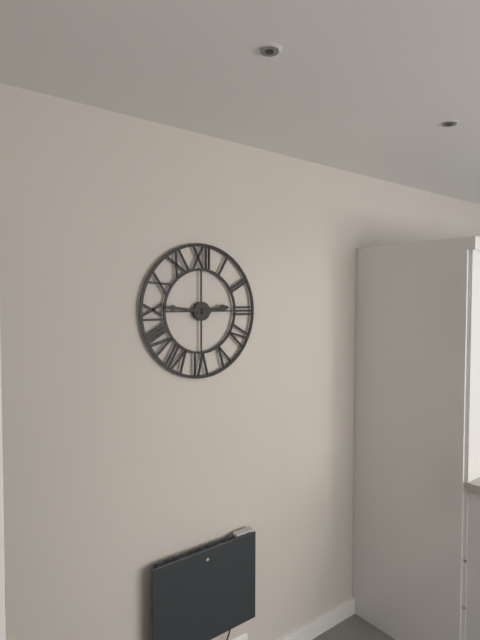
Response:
2.46
